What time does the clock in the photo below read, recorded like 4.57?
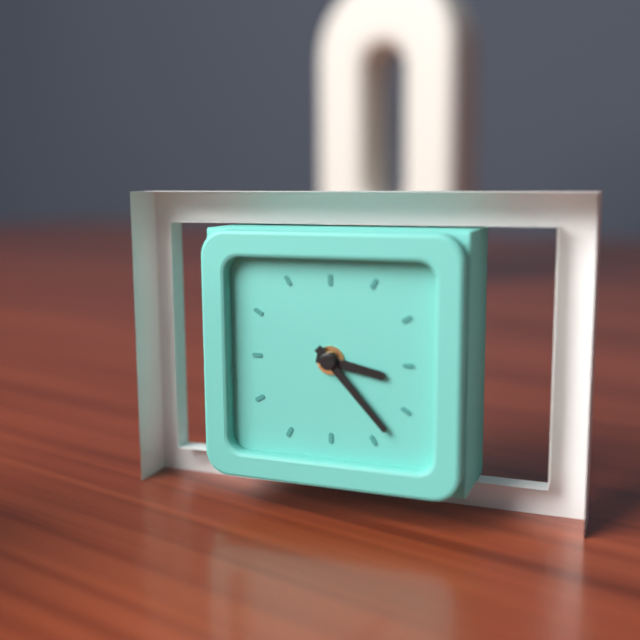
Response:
3.23
